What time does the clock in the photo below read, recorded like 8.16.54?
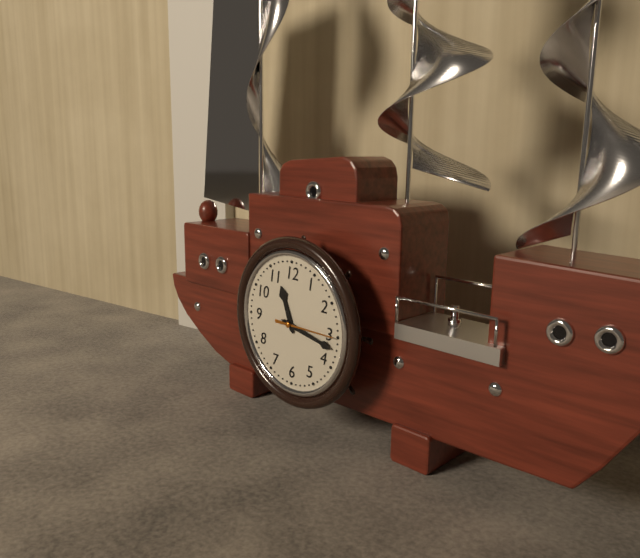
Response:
11.17.15
